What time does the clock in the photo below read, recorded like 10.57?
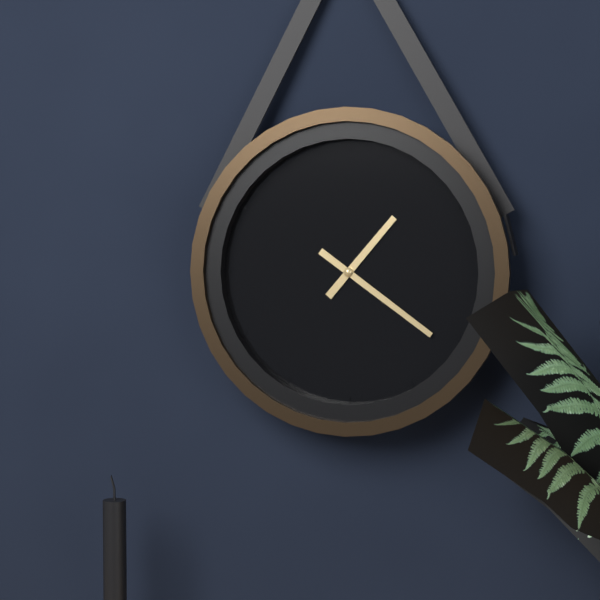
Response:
1.21
